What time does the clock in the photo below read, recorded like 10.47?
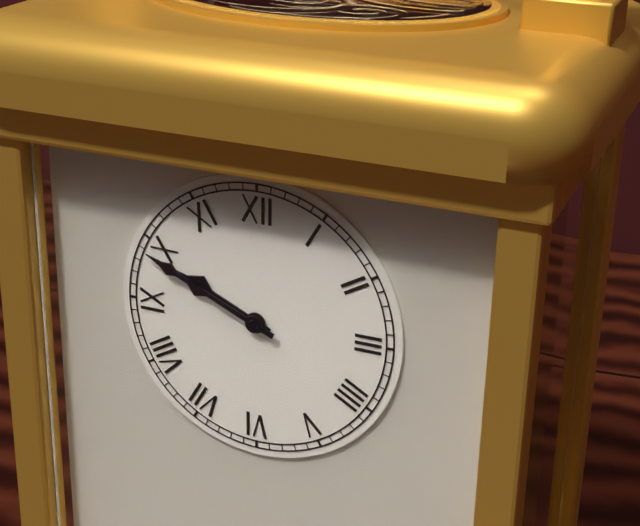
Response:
9.49
